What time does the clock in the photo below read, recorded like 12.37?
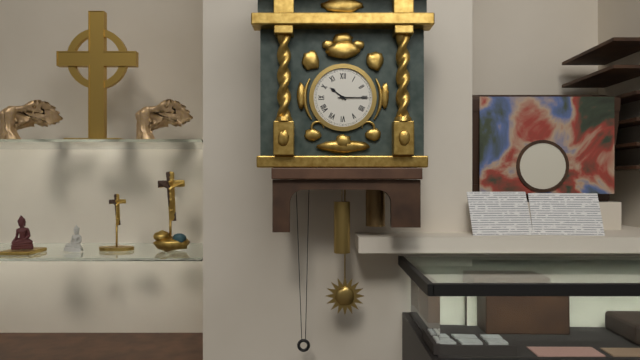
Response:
10.15
